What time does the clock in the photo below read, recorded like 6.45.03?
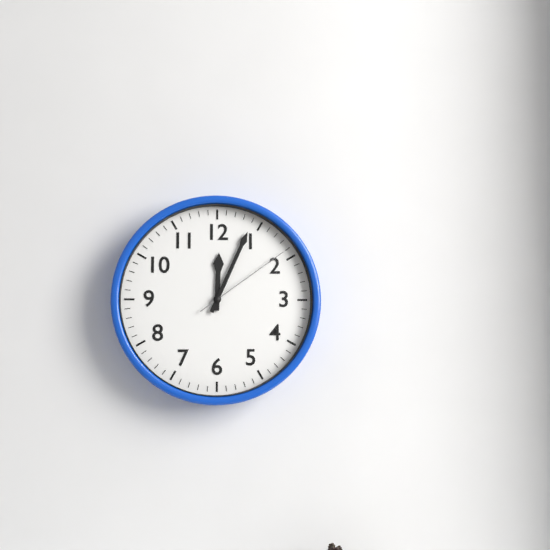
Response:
12.04.09
